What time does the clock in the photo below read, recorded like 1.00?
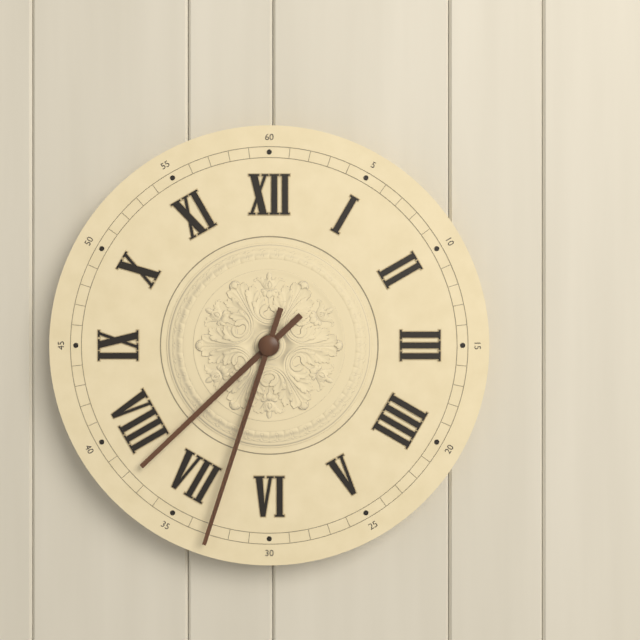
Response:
7.33
